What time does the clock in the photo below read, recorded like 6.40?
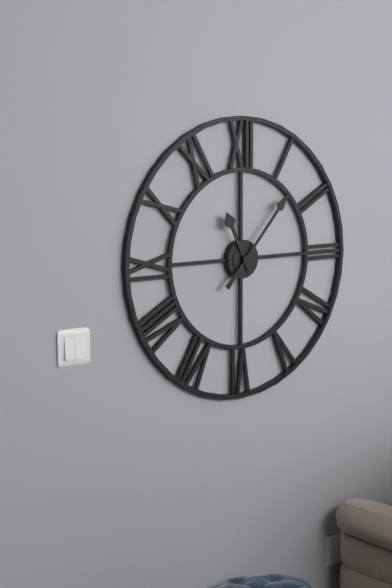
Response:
11.07
